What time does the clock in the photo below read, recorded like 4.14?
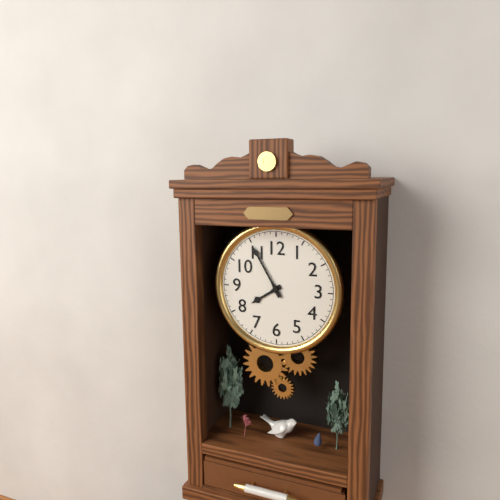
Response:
7.55
